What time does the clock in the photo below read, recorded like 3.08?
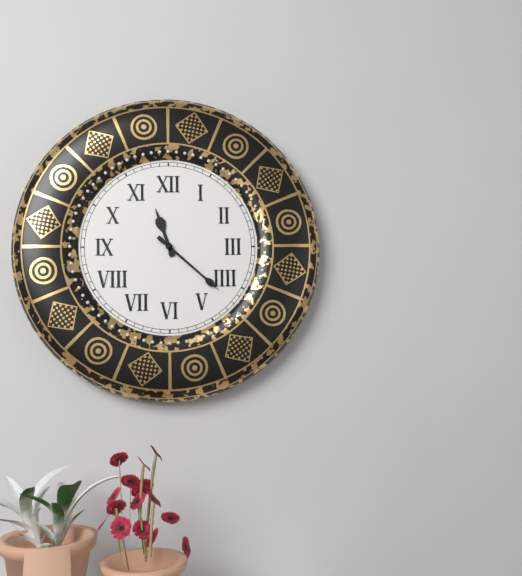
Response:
11.22
